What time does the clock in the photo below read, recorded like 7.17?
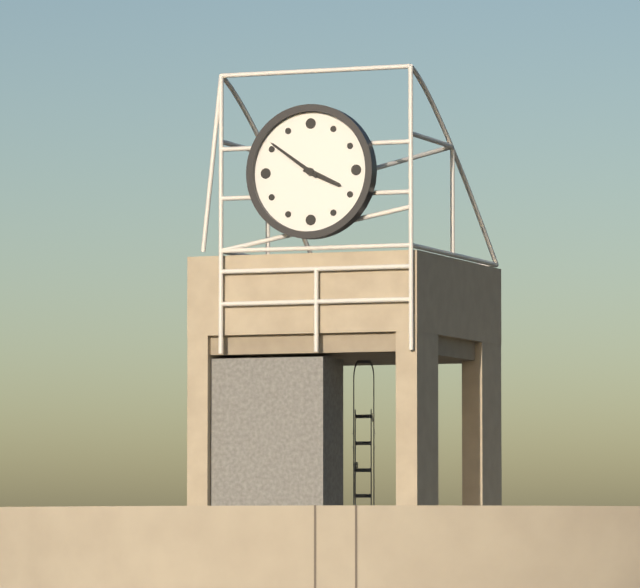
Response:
3.51
